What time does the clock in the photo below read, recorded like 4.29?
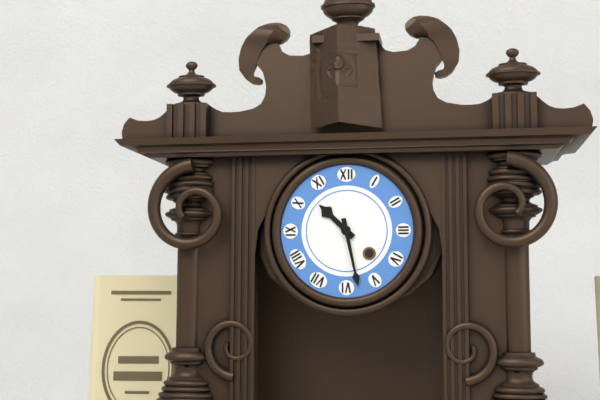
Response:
10.28
